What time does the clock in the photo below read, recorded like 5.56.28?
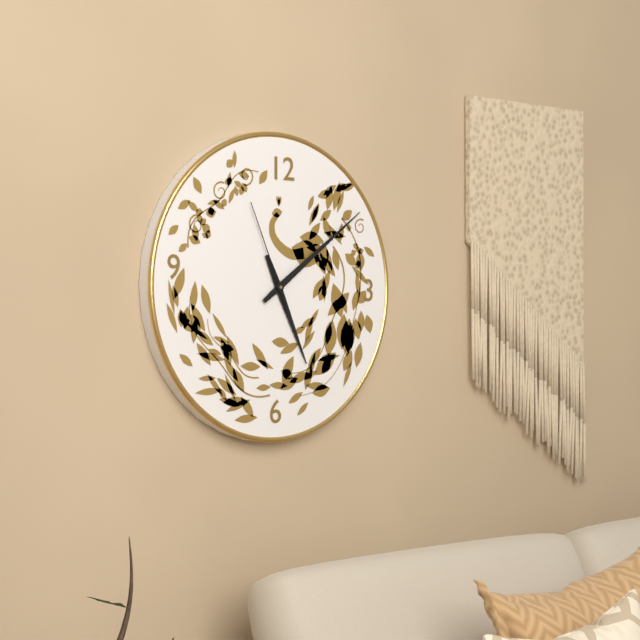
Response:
5.09.56
